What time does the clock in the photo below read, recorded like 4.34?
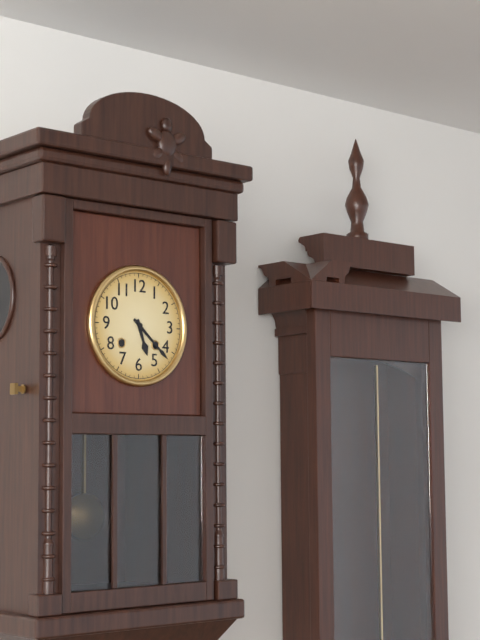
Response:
5.22
